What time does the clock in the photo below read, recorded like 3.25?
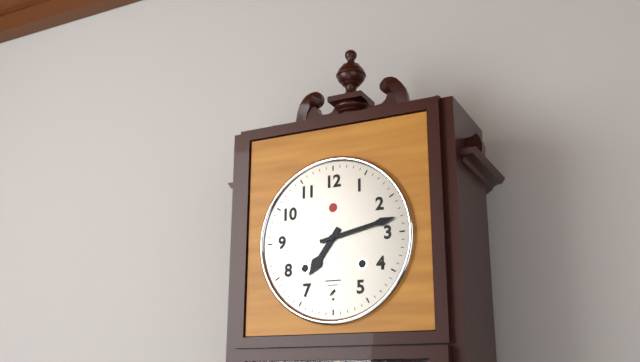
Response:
7.13
